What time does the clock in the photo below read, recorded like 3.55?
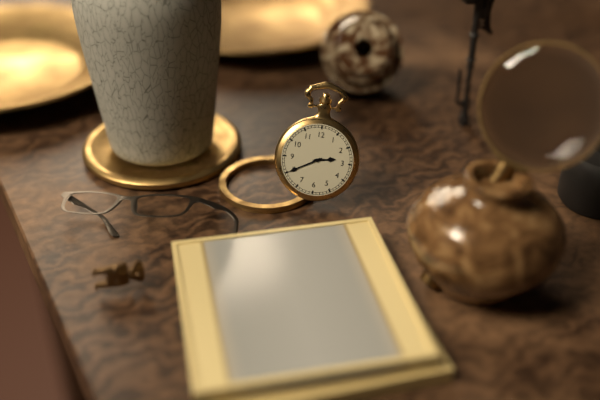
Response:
2.40
